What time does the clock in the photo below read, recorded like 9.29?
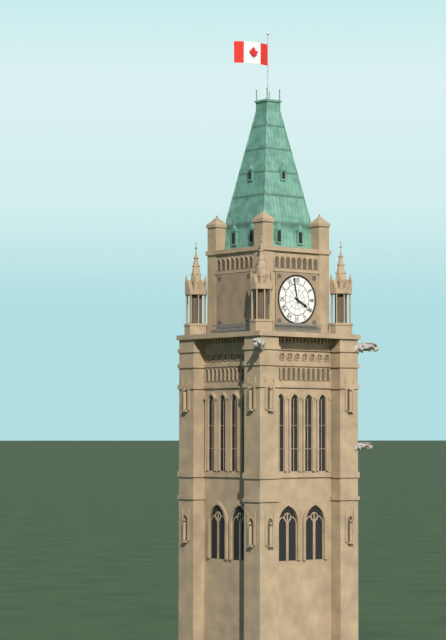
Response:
3.58
